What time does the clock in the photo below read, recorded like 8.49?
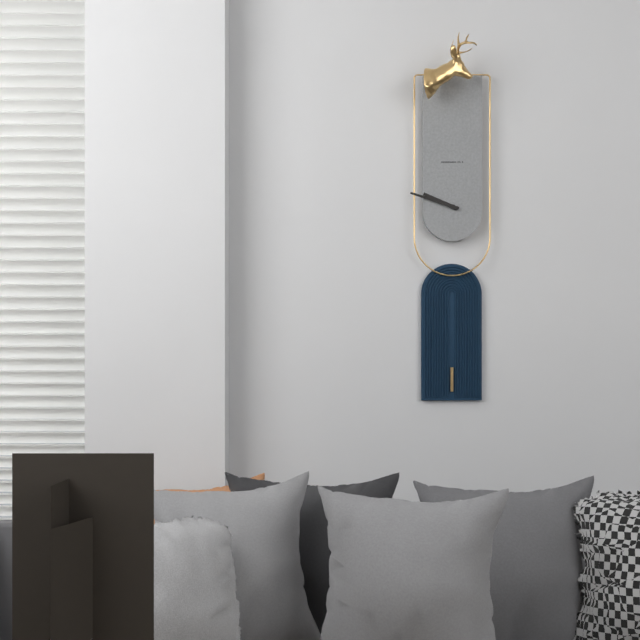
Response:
9.48
